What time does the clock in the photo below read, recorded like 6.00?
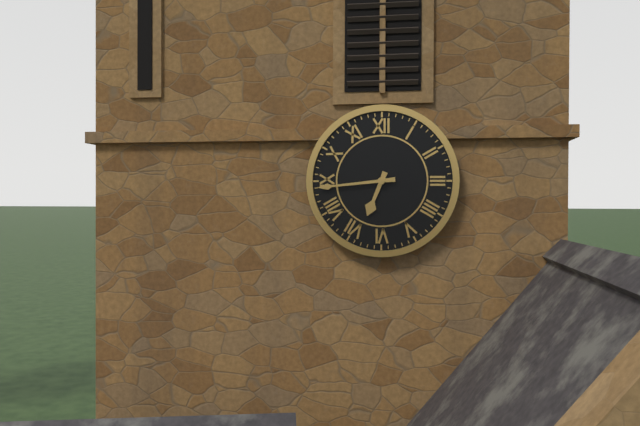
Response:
6.44
